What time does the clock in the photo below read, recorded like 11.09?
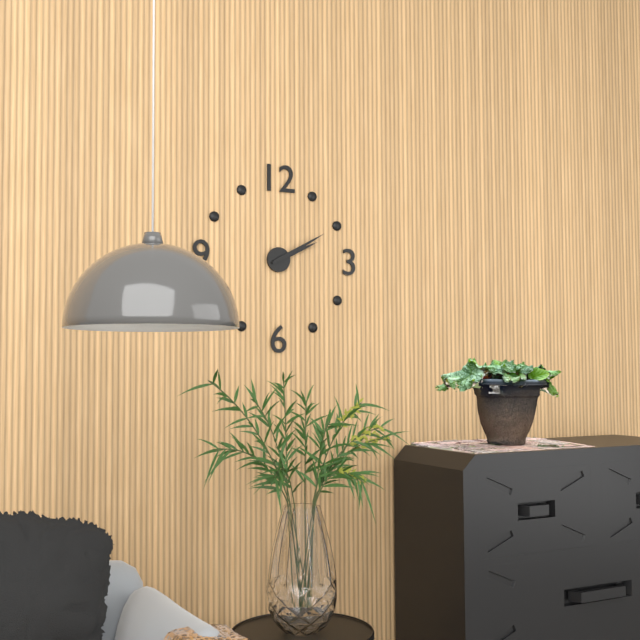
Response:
2.10
